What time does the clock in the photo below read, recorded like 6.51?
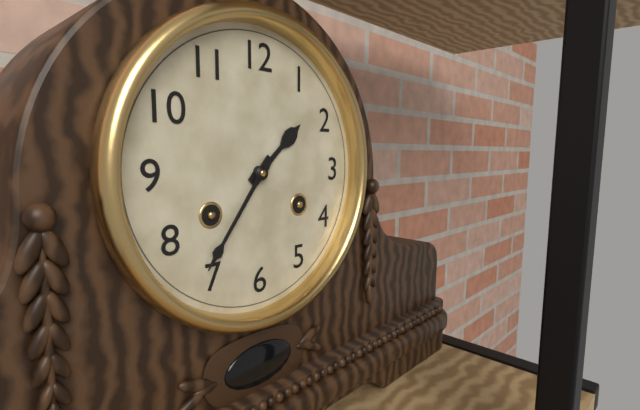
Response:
1.36
